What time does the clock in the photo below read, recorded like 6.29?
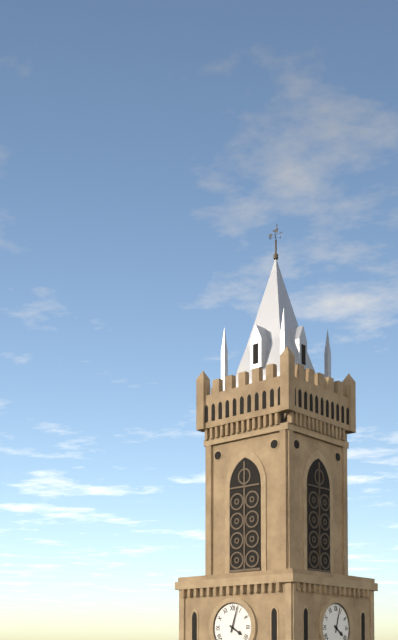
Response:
4.03
